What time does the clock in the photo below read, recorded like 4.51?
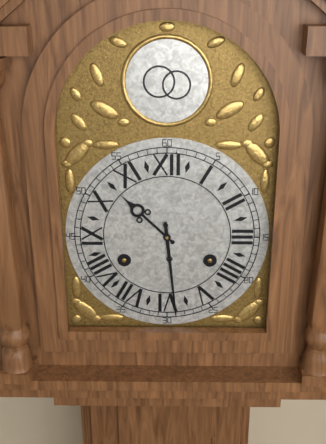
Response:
10.29
